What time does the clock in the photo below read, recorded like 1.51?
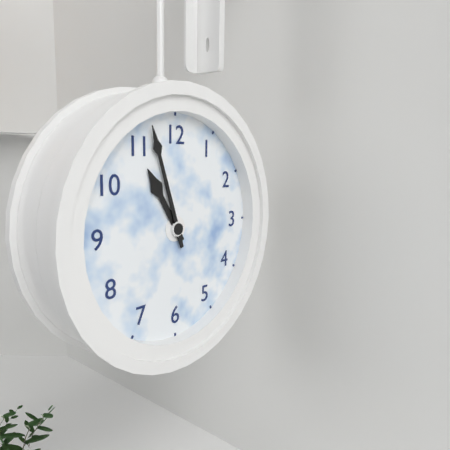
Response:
10.57
